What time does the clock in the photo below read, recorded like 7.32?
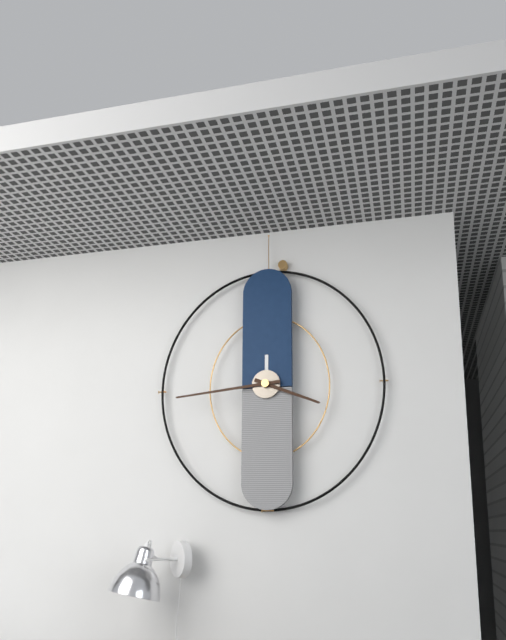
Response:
3.44
